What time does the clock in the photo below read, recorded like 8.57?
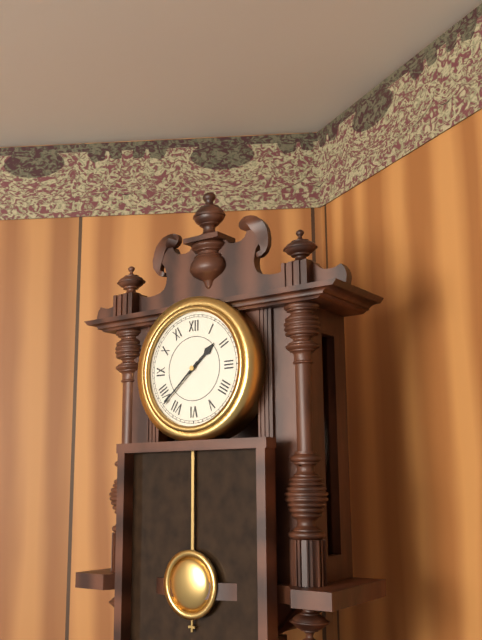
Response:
1.38
